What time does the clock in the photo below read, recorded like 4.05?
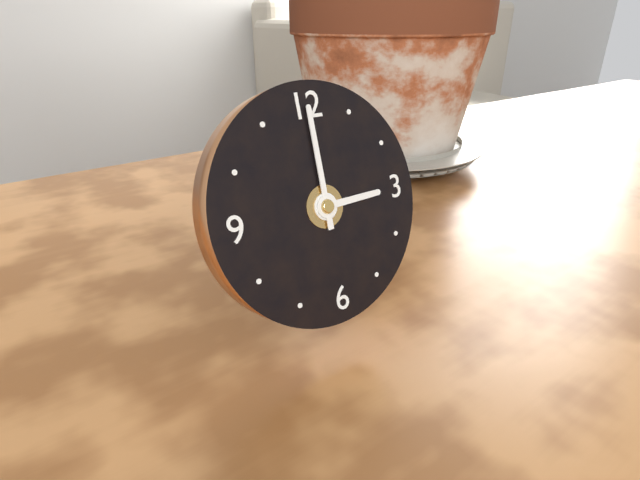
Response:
3.00
